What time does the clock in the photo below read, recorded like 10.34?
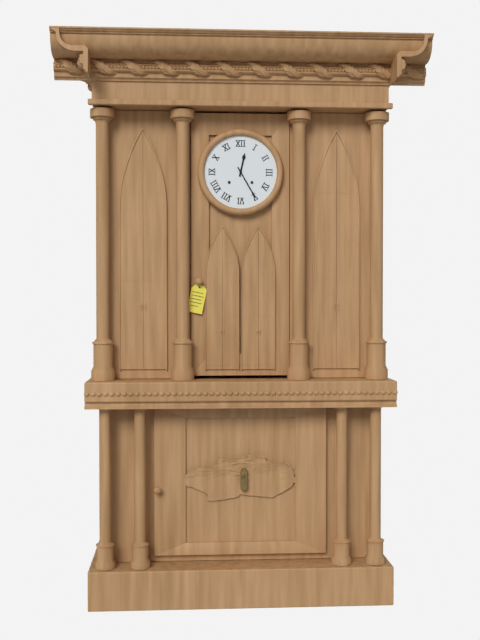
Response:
12.25
